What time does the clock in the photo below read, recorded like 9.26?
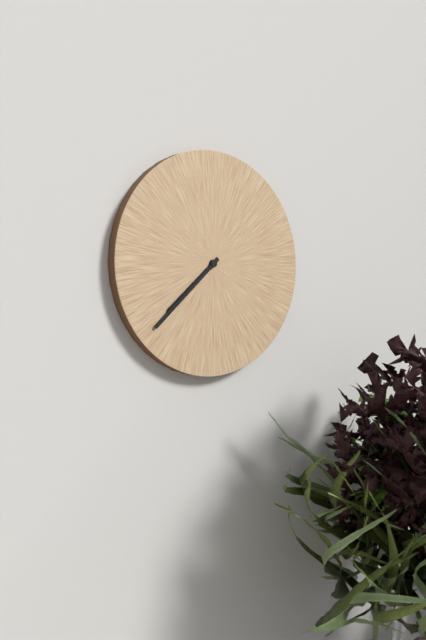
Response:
7.38
